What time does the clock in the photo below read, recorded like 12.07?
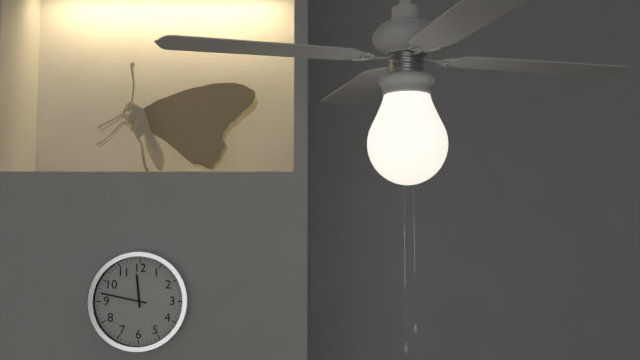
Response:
11.47
